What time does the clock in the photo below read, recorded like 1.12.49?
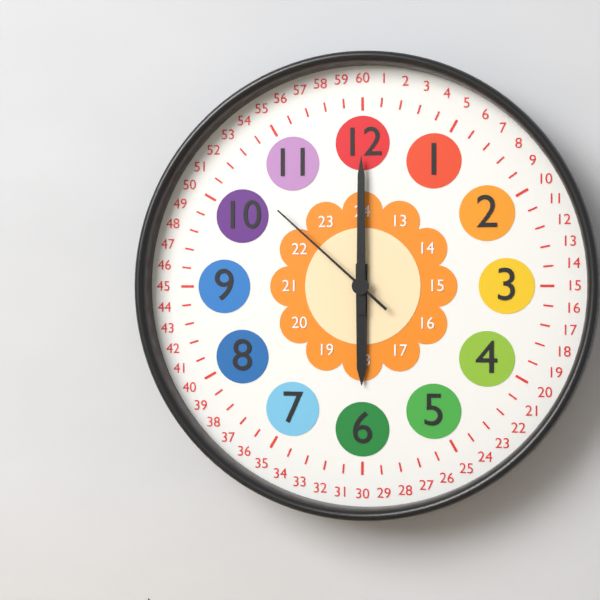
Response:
6.00.52
